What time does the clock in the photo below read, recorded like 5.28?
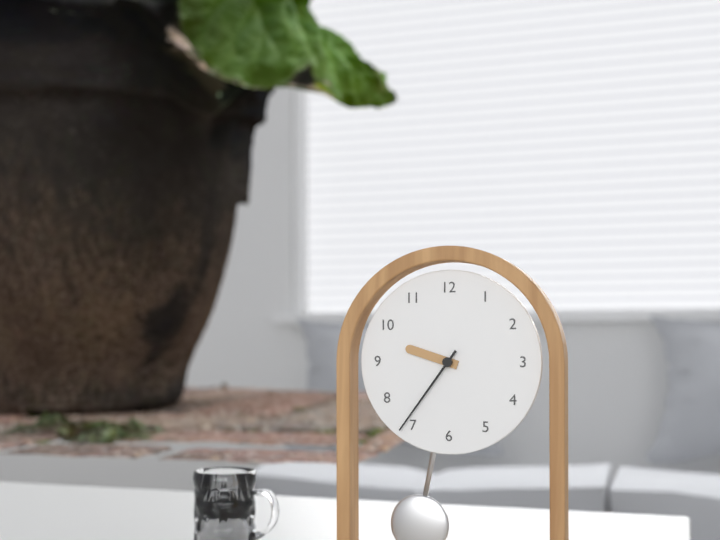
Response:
9.36
